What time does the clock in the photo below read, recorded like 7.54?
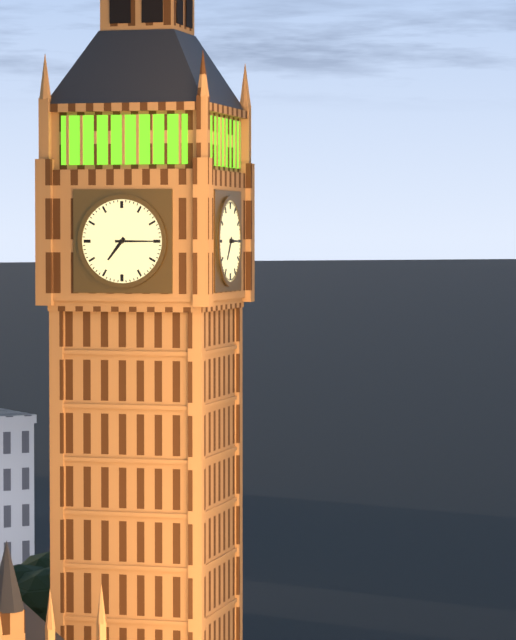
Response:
7.15
